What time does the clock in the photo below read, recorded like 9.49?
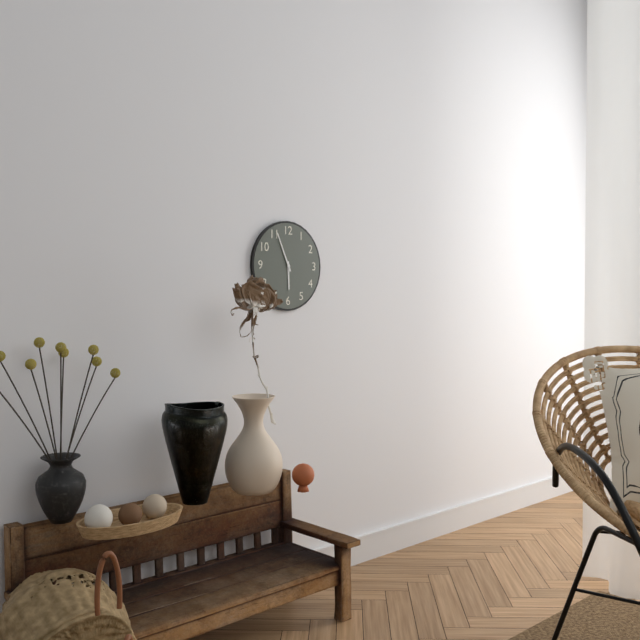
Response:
5.56
